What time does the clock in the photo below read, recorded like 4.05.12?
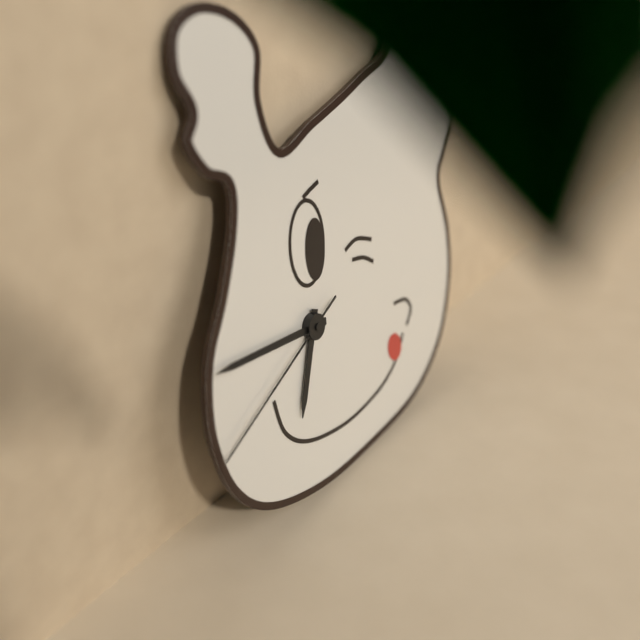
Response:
6.46.41
